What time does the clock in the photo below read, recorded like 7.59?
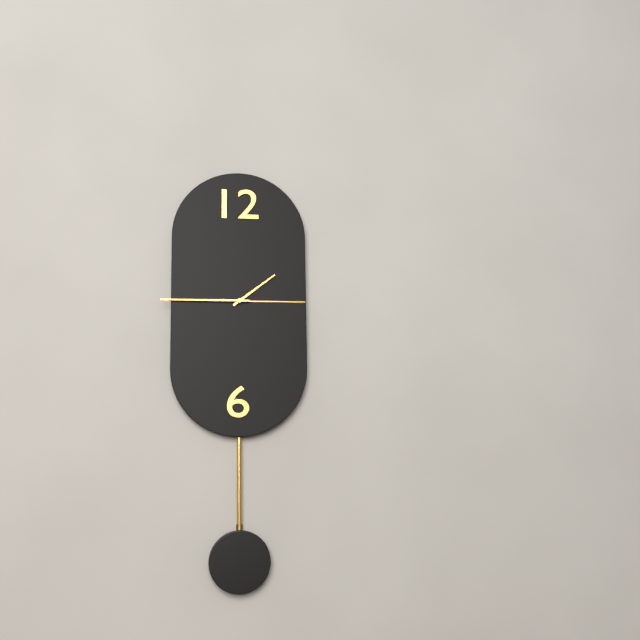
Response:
1.45
